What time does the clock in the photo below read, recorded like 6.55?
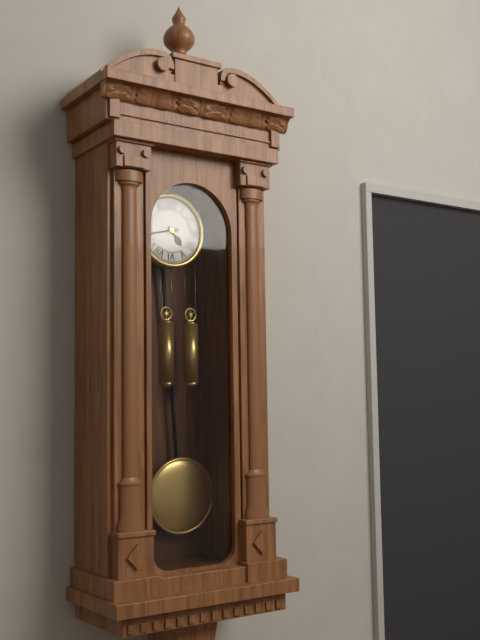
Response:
4.43
